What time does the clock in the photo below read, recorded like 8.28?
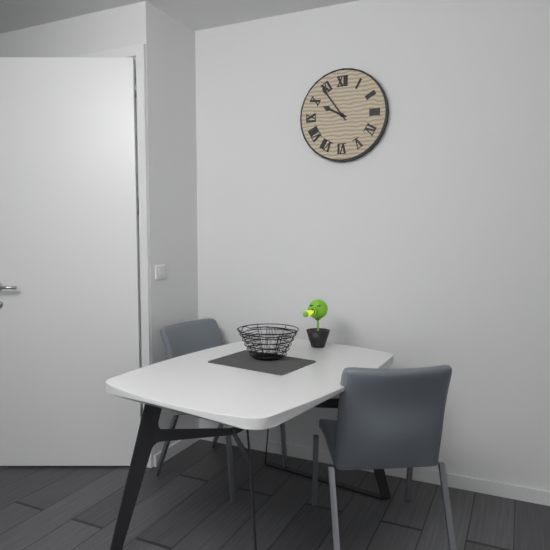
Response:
9.54
